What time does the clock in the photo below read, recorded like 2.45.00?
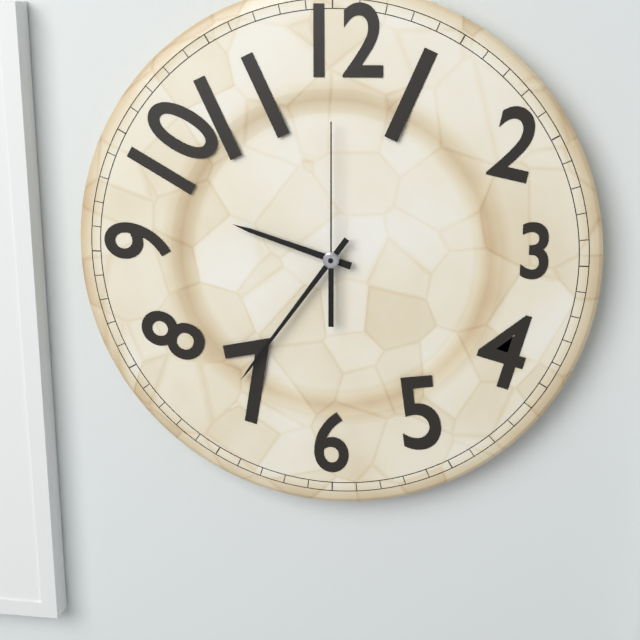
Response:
9.36.00
